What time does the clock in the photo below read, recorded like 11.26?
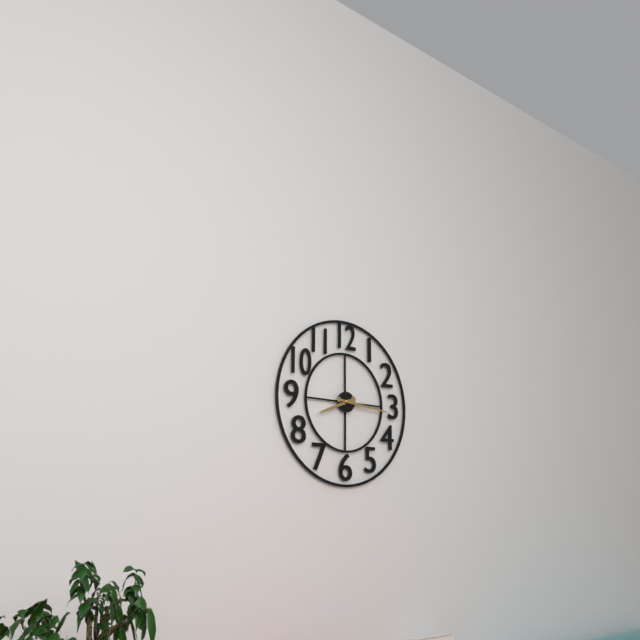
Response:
8.16
